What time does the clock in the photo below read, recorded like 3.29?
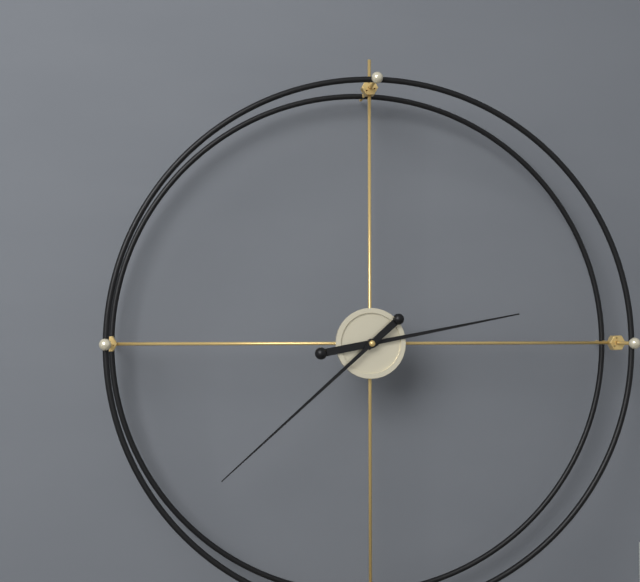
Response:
2.38
